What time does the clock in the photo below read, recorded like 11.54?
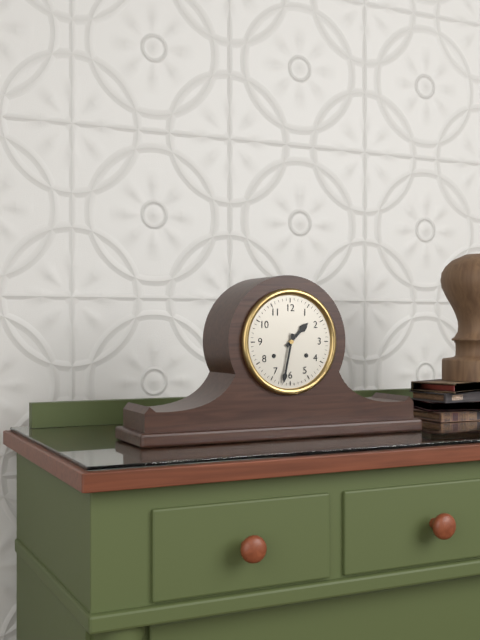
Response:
1.32
